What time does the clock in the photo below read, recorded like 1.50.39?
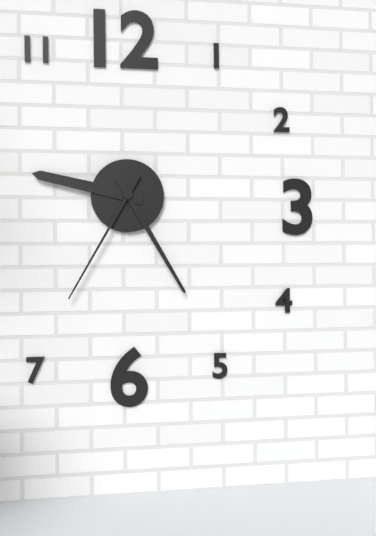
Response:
9.25.35
